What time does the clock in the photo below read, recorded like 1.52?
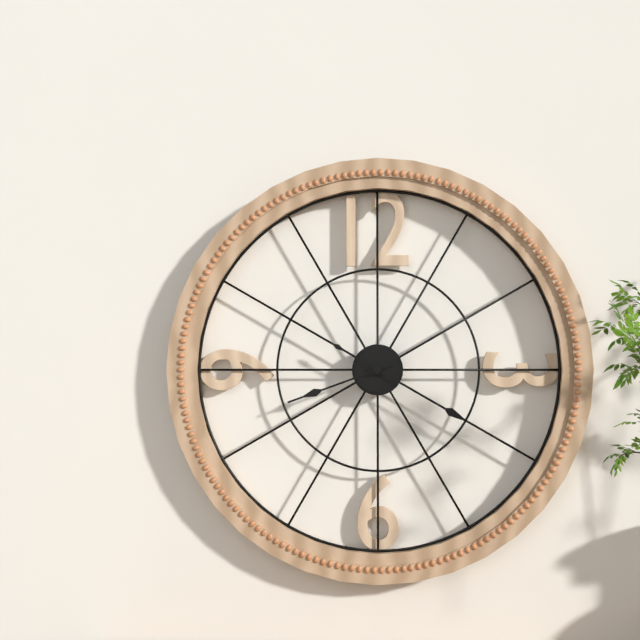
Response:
8.20
